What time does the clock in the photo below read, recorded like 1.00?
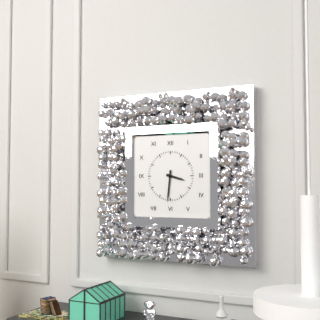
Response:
3.31
